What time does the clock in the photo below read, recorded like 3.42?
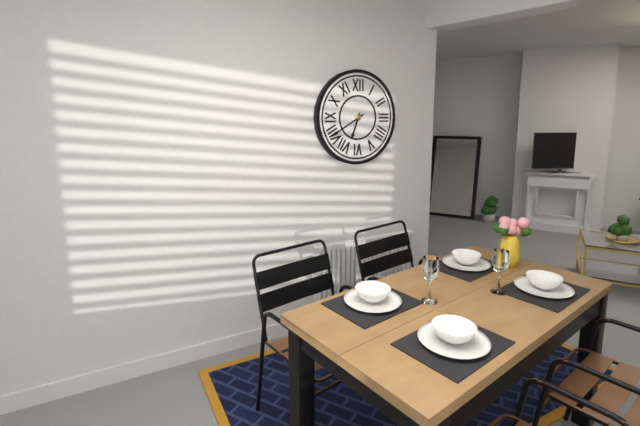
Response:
6.40
